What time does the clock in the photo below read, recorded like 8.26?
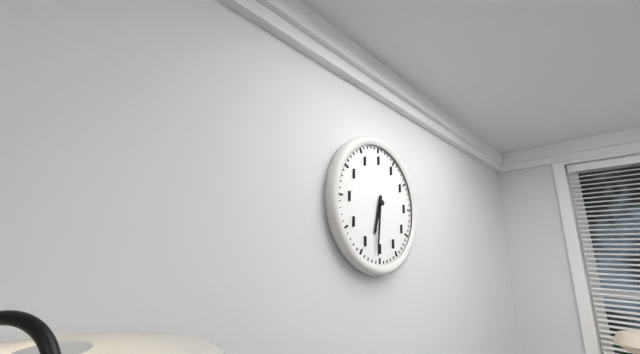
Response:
6.31
